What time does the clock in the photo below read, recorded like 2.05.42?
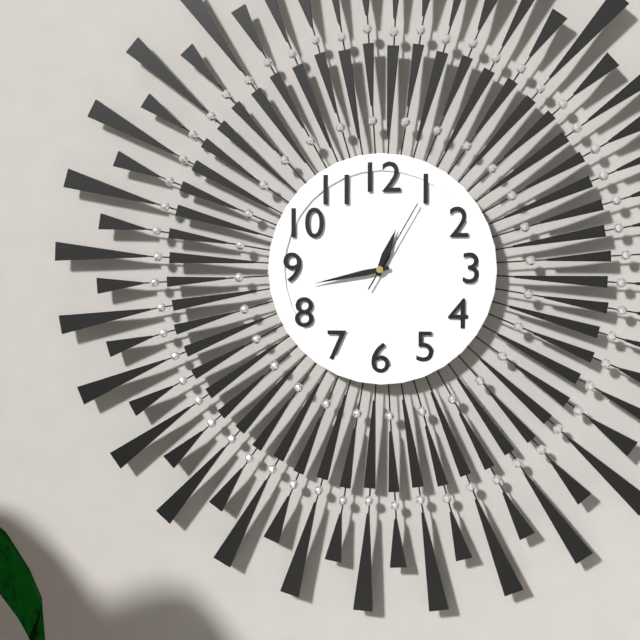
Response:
12.43.05
